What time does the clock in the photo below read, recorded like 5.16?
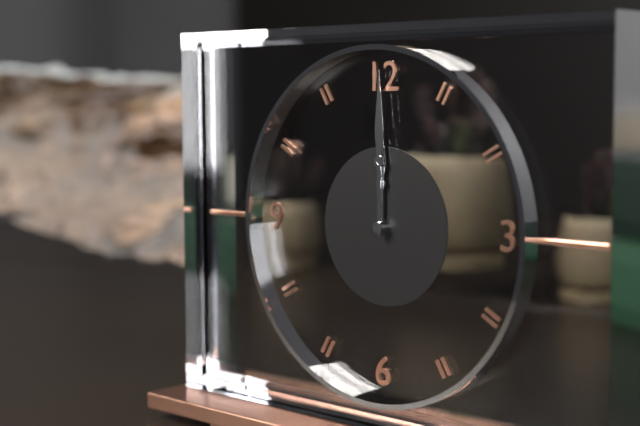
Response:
12.00
